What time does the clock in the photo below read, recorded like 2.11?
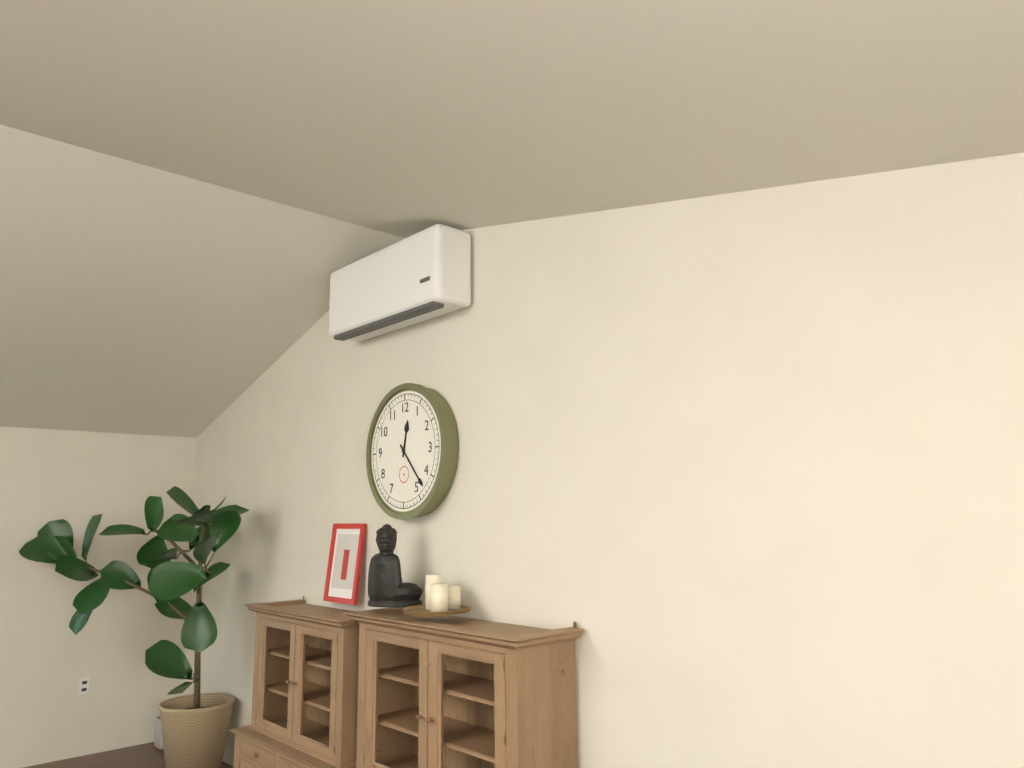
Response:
12.23
